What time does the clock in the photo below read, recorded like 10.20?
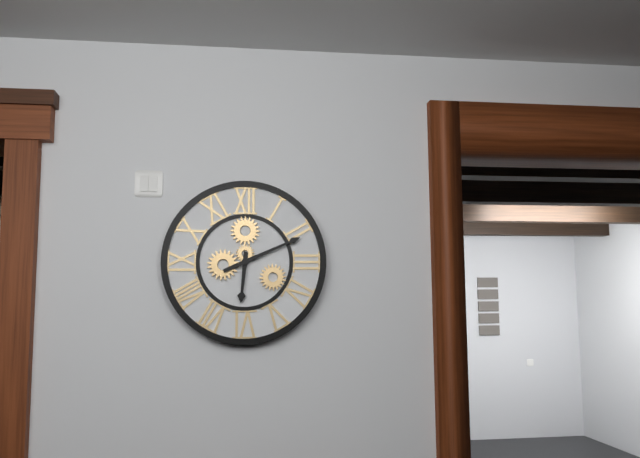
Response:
6.11
